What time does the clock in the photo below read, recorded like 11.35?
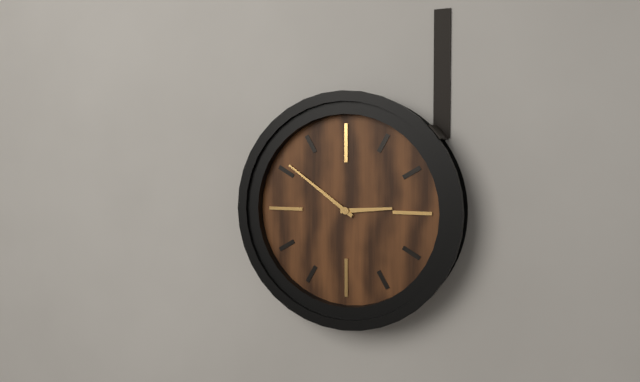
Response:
2.51
